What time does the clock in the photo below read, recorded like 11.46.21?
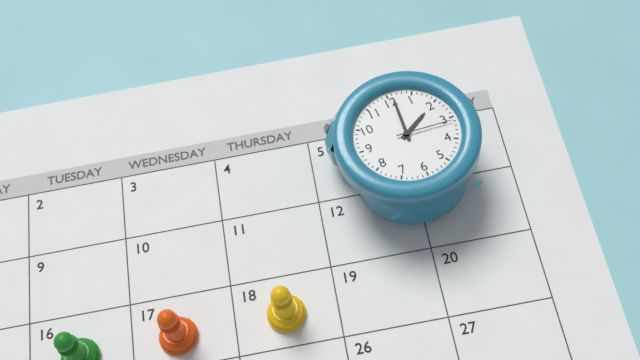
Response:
2.01.16
